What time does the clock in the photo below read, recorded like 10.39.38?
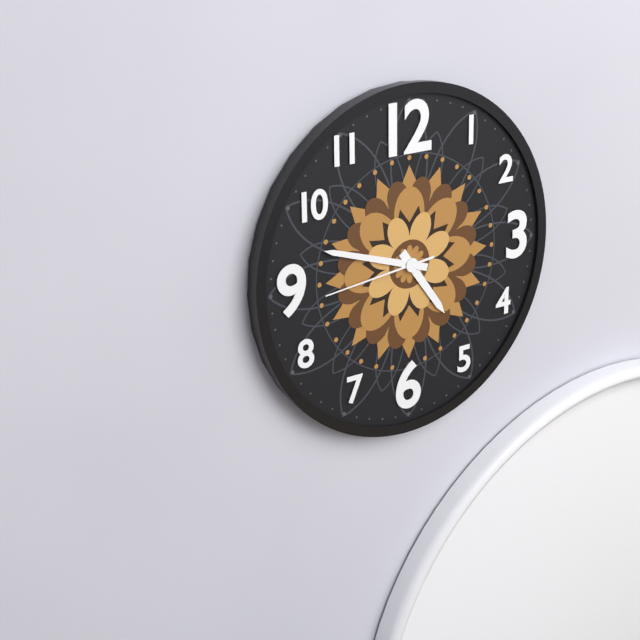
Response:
4.48.44
